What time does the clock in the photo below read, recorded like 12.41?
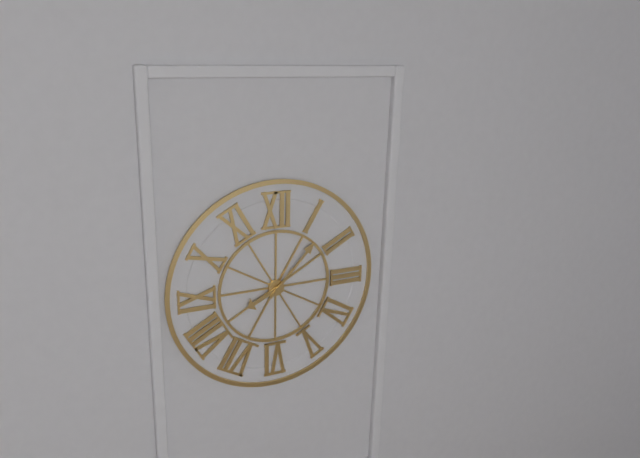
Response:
8.07
